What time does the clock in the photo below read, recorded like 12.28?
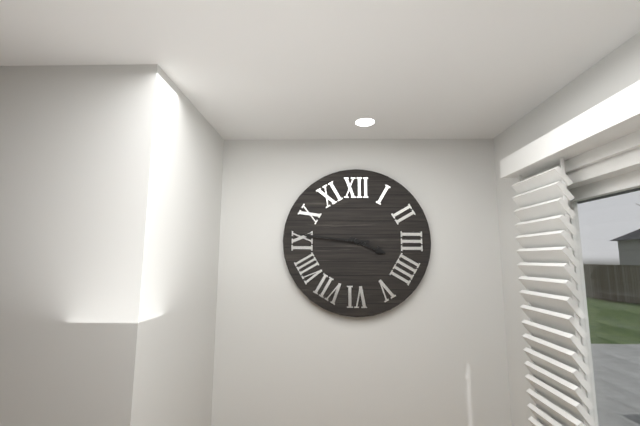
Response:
3.46
